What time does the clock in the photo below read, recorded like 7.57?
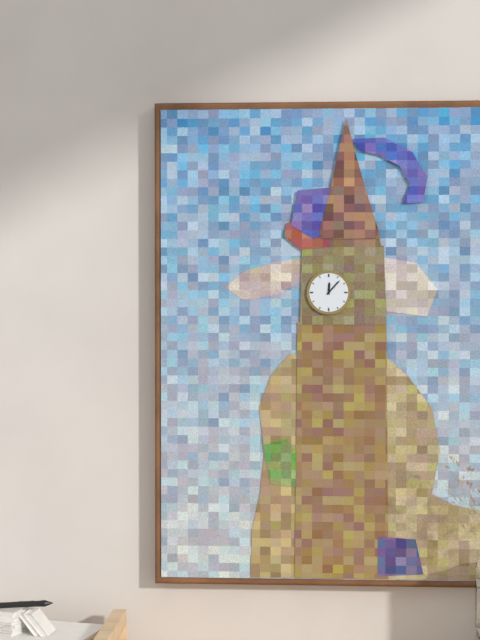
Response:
12.07
